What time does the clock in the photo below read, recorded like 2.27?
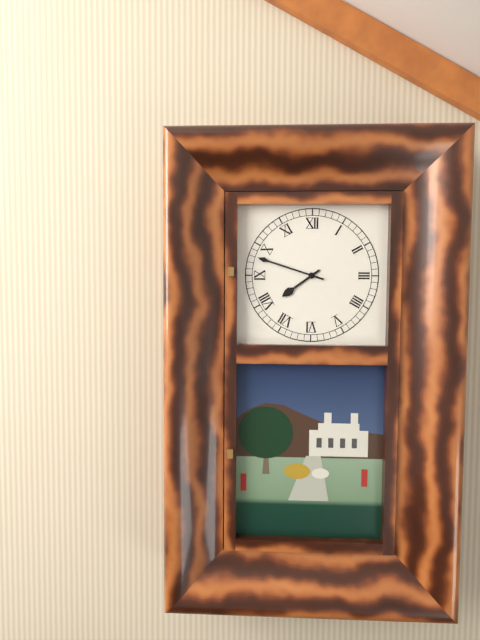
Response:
7.48
